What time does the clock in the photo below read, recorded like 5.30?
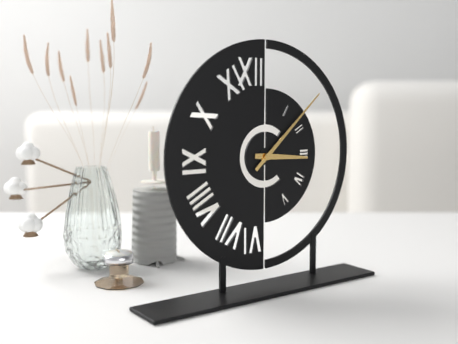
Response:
3.08
